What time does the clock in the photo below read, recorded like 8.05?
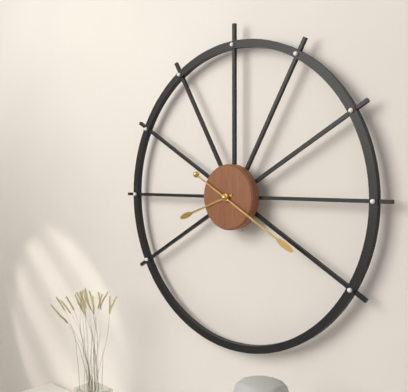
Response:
8.20
